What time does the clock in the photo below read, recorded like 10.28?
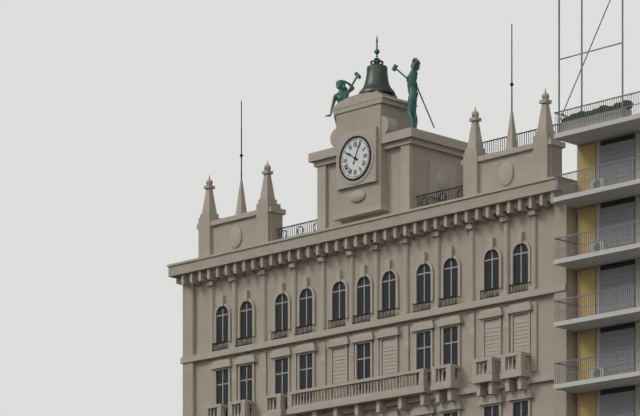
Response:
10.04
